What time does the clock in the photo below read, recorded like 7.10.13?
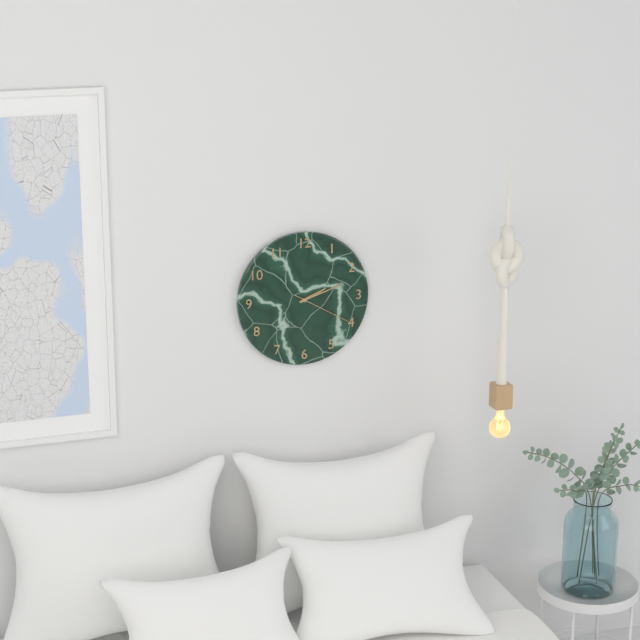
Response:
2.12.20
